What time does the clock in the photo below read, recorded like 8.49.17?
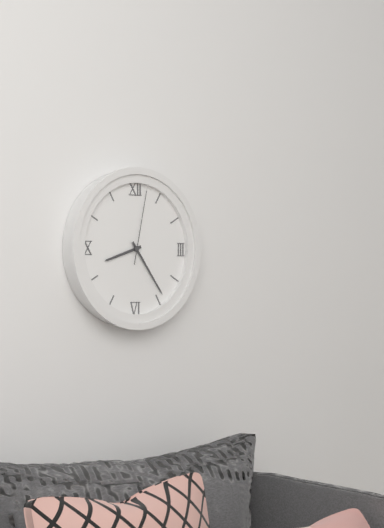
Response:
8.24.02
